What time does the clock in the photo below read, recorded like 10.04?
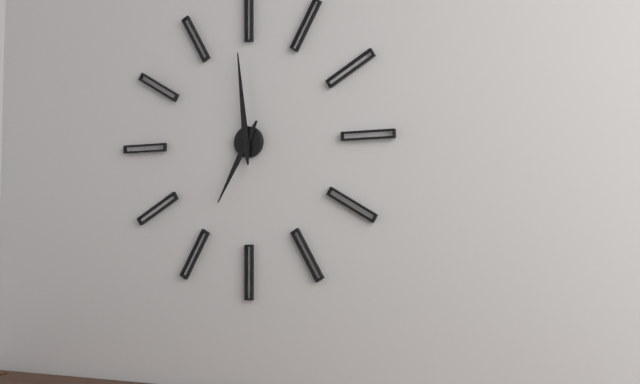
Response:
6.59
